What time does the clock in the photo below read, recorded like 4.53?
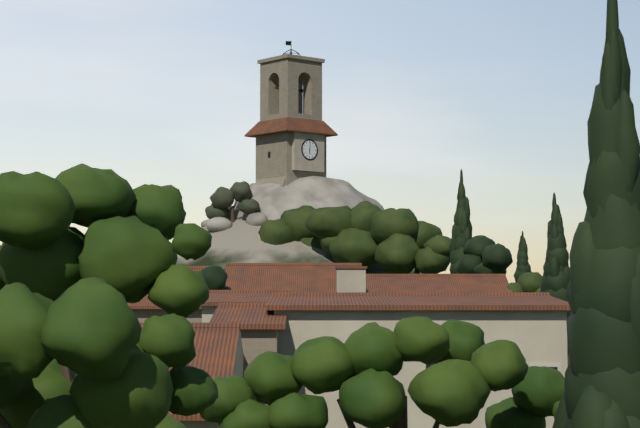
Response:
6.01
